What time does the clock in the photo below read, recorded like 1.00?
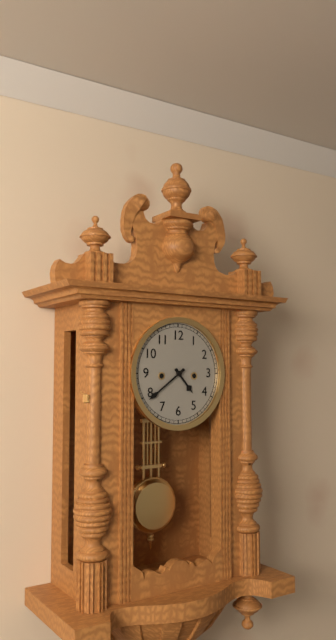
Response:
4.39
